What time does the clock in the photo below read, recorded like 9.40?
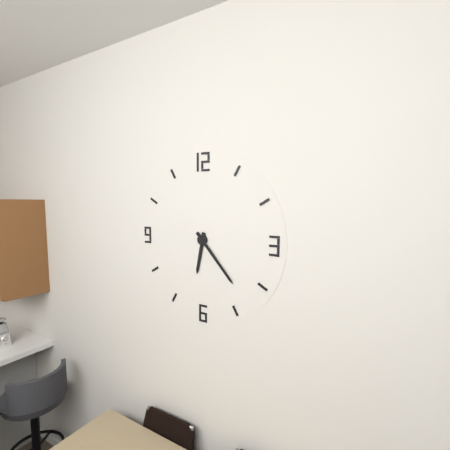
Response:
6.23
